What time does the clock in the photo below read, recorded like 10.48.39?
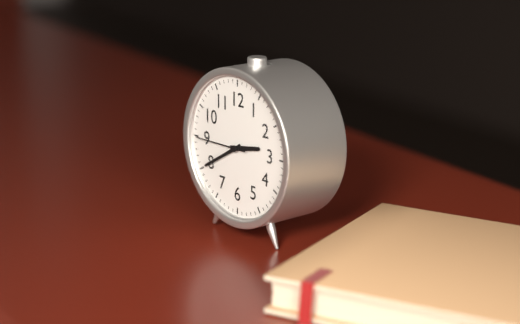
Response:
2.40.45
